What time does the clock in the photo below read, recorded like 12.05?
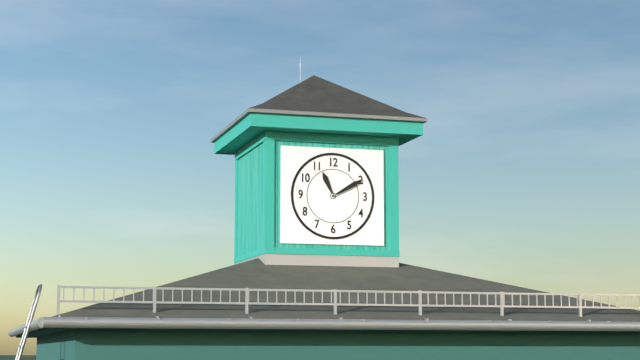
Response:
11.10
